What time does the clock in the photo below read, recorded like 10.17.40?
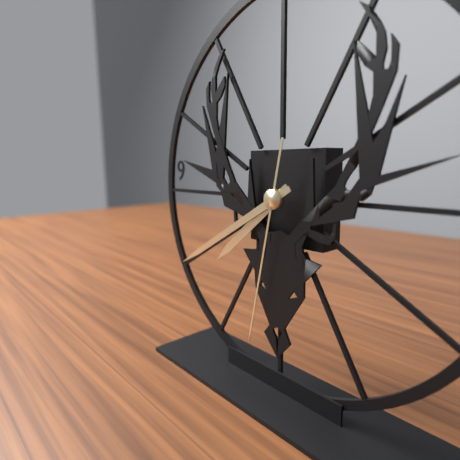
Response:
7.40.32
